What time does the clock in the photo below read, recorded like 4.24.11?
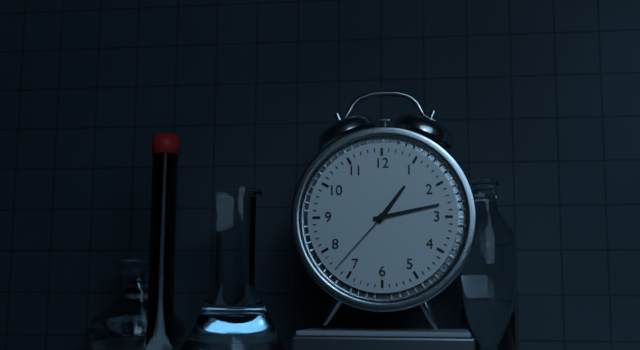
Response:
1.13.37
